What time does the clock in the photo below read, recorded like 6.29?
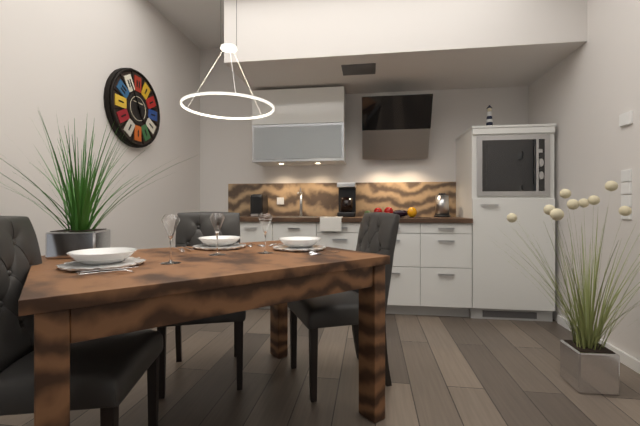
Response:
4.55
